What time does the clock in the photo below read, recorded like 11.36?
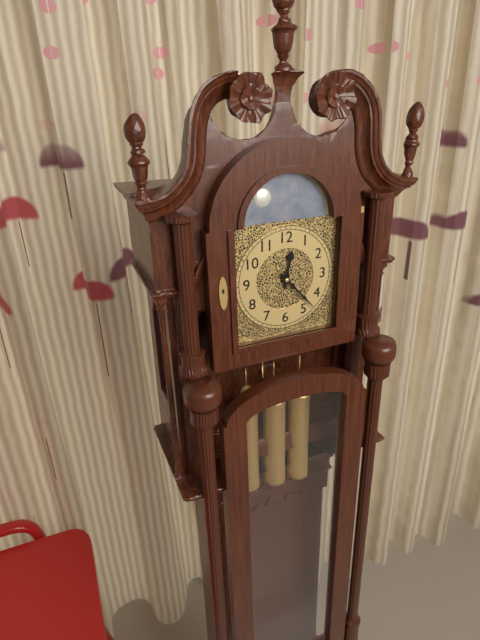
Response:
12.23
